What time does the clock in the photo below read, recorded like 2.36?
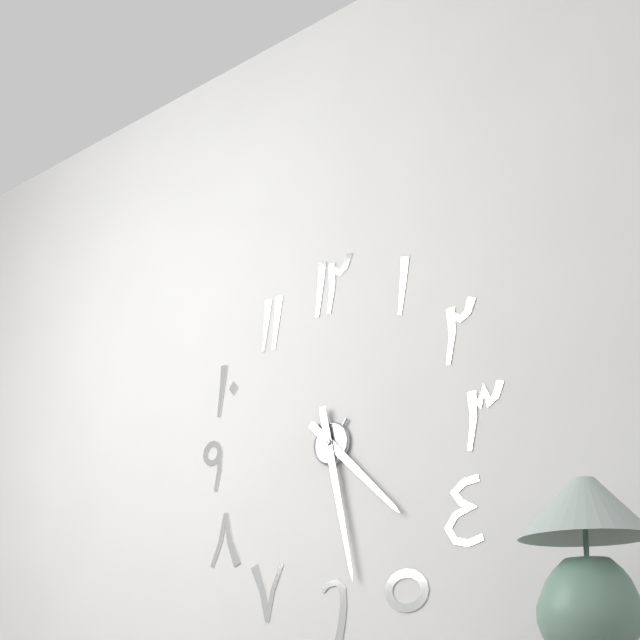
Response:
4.28
